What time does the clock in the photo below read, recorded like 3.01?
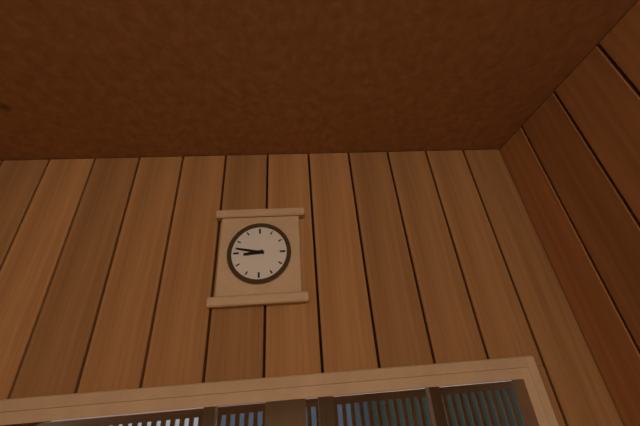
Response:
8.47
